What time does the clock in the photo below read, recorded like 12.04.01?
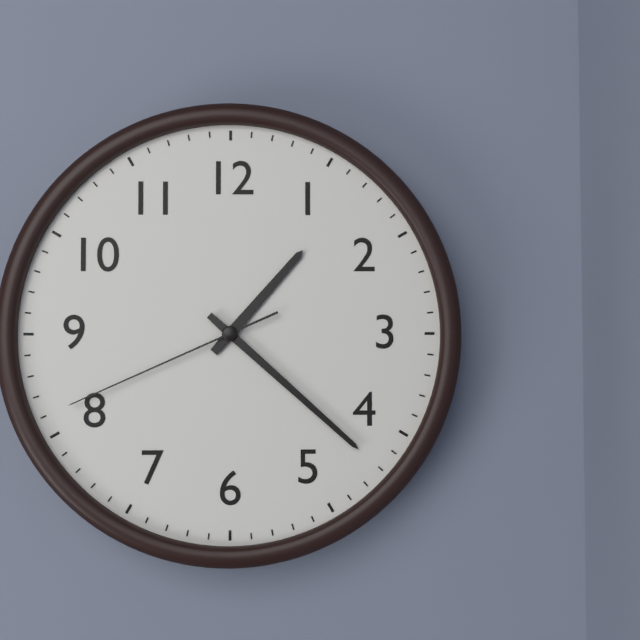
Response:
1.22.41
